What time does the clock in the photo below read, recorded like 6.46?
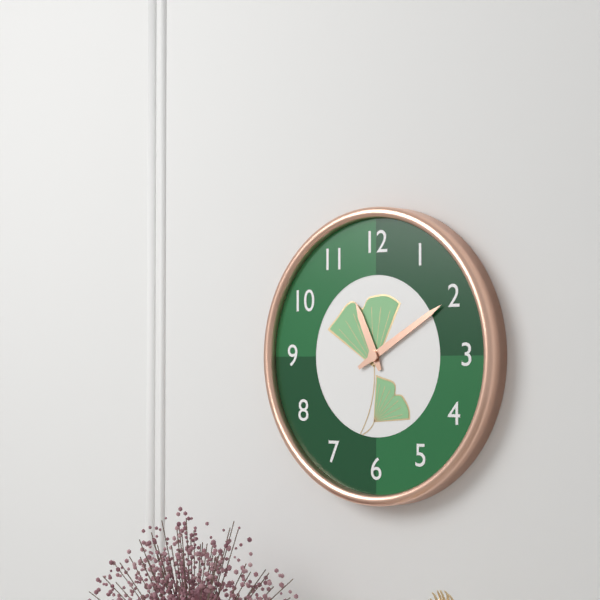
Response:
11.10
